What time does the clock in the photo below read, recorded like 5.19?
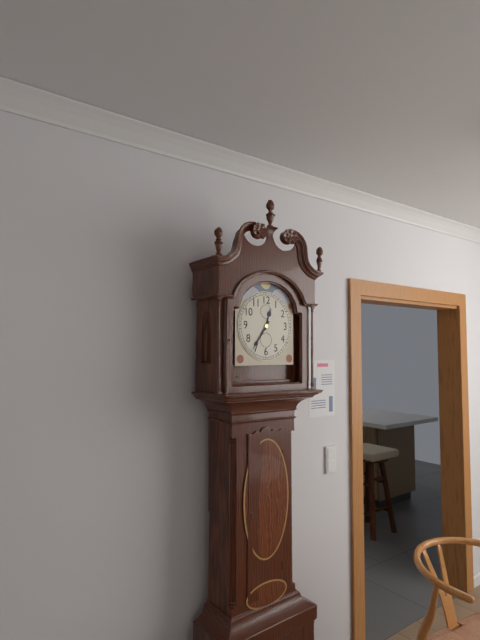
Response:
12.36
